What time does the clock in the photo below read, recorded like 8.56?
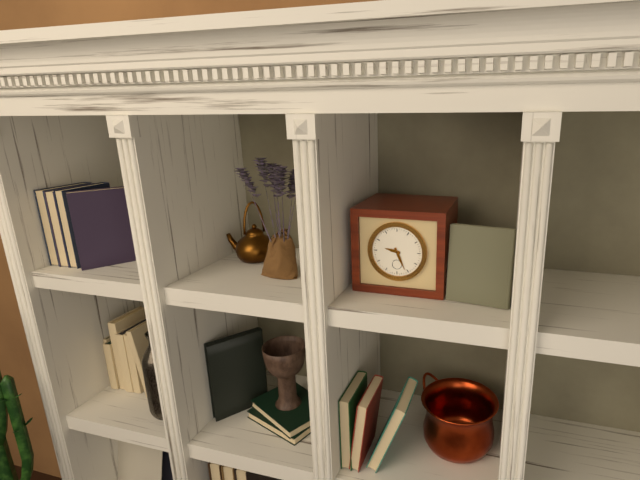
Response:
9.26
